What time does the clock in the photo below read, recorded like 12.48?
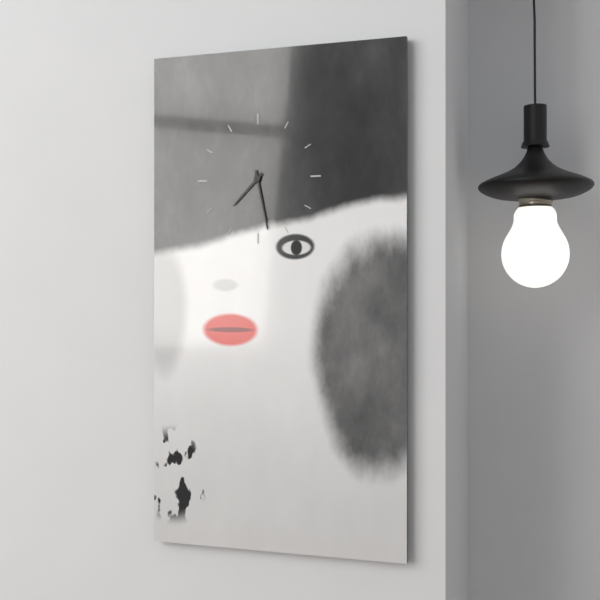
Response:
7.28
